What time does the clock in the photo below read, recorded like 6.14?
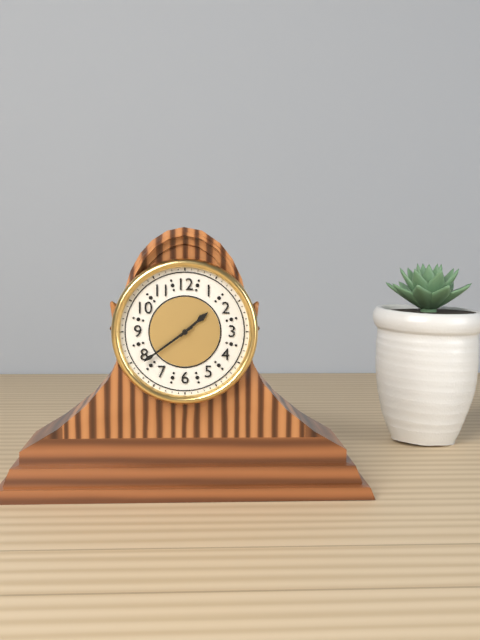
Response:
1.39
